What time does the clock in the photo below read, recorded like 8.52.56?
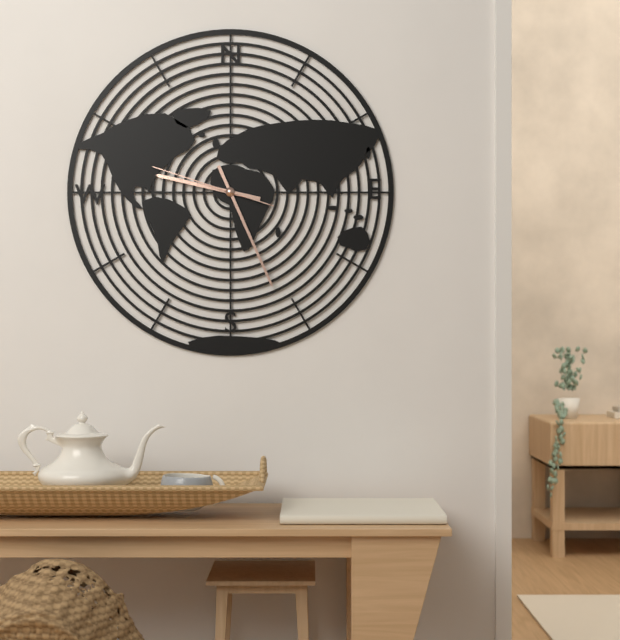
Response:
9.26.48
